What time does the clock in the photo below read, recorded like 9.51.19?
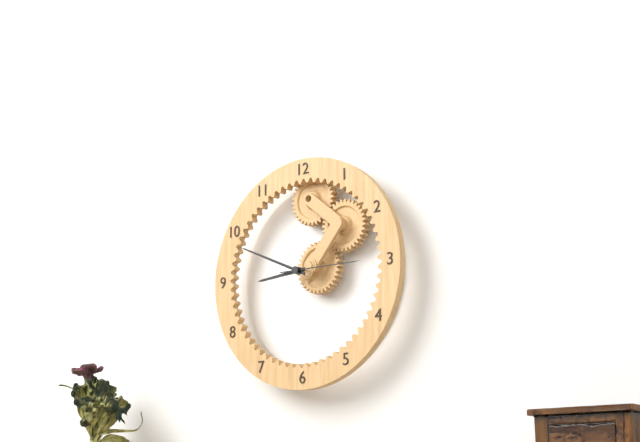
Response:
8.49.15
